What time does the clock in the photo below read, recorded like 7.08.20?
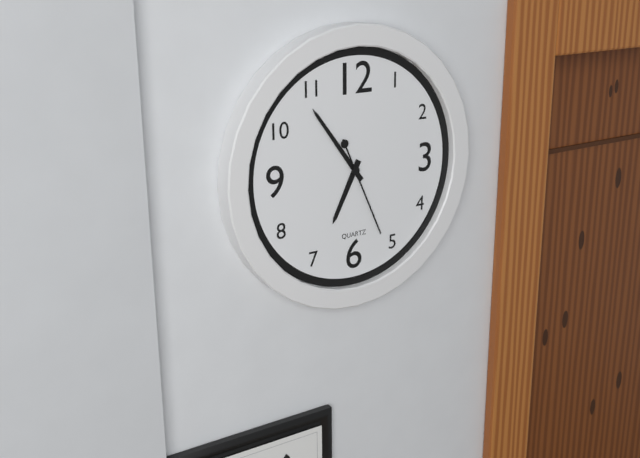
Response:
6.54.26
